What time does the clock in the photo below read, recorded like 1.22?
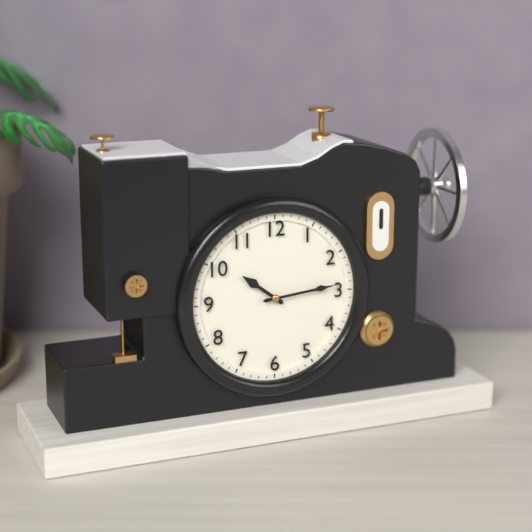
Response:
10.14
